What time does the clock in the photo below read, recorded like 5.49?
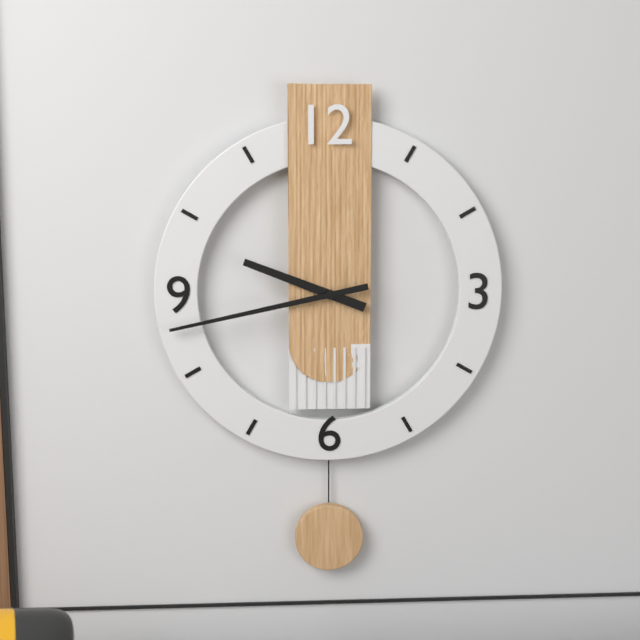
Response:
9.43
